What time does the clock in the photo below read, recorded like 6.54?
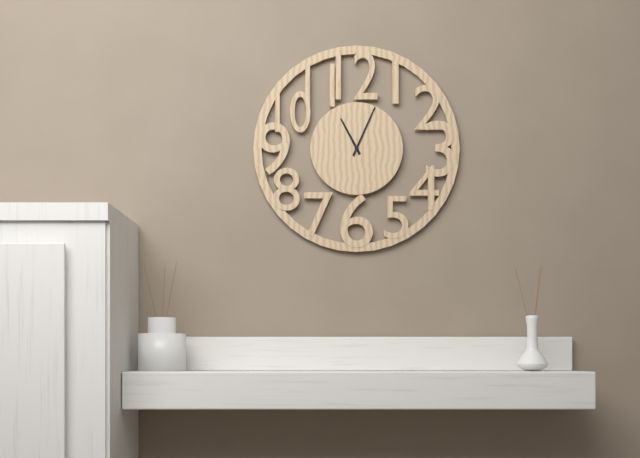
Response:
11.04
